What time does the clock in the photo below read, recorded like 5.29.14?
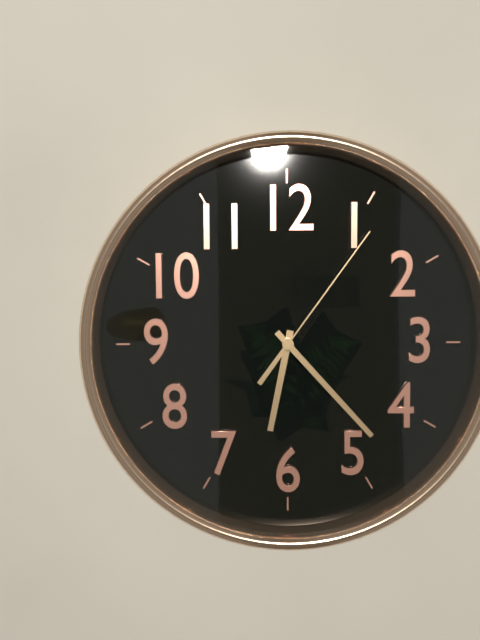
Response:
6.23.06
